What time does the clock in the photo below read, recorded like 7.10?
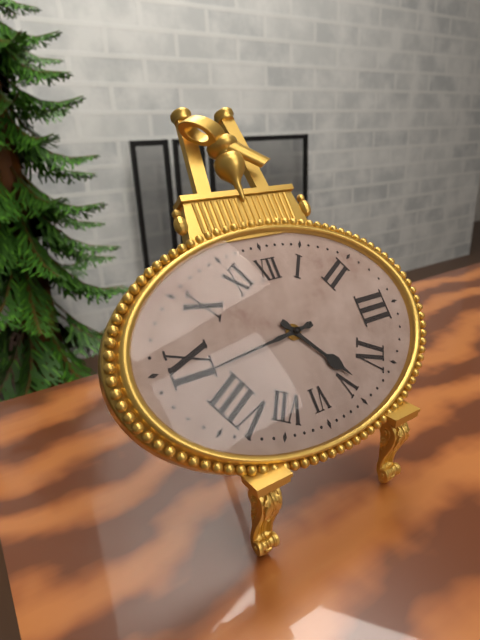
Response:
4.44
